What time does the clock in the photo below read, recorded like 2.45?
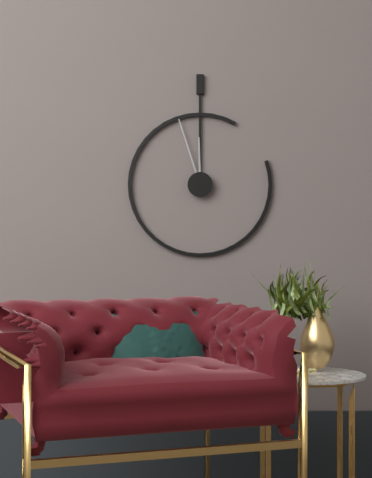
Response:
11.57
